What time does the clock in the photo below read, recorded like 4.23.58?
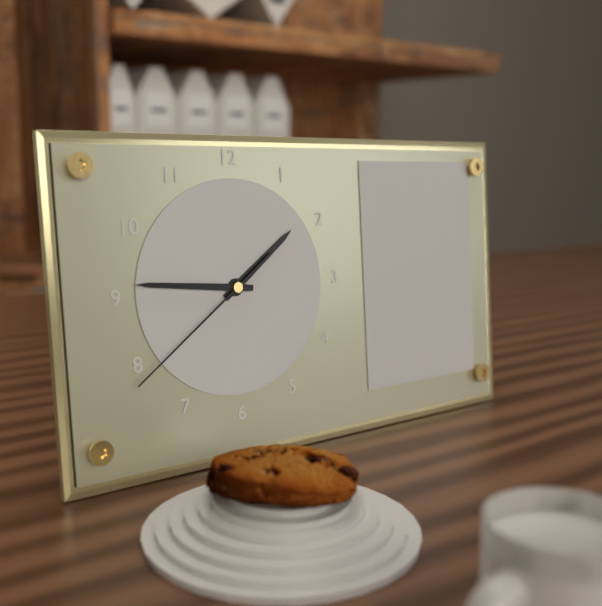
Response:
1.46.39
